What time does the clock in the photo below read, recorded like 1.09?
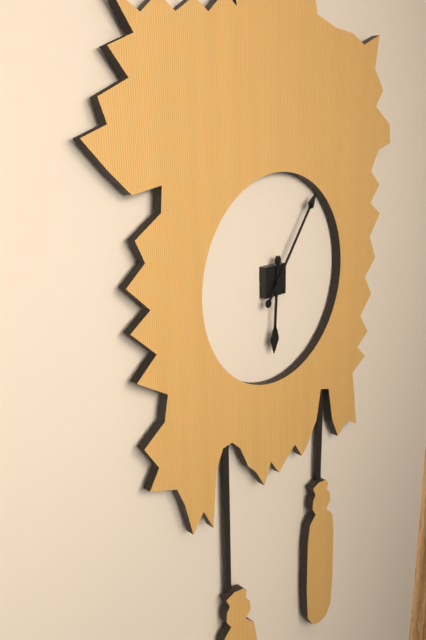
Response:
6.06
